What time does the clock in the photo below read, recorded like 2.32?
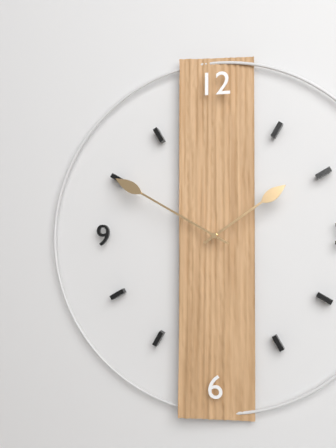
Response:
1.50
